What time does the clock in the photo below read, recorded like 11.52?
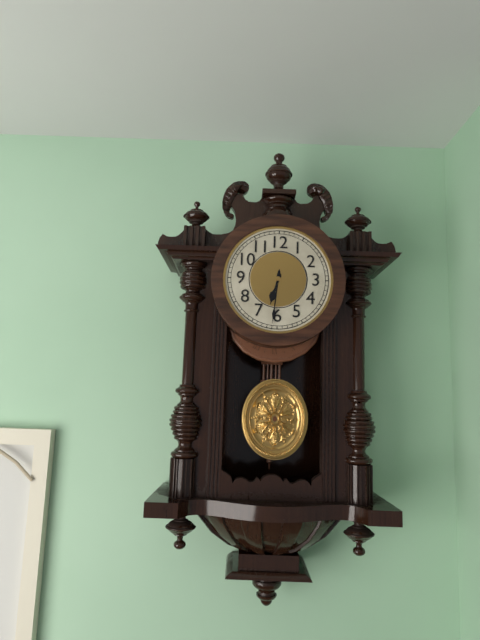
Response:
6.31
